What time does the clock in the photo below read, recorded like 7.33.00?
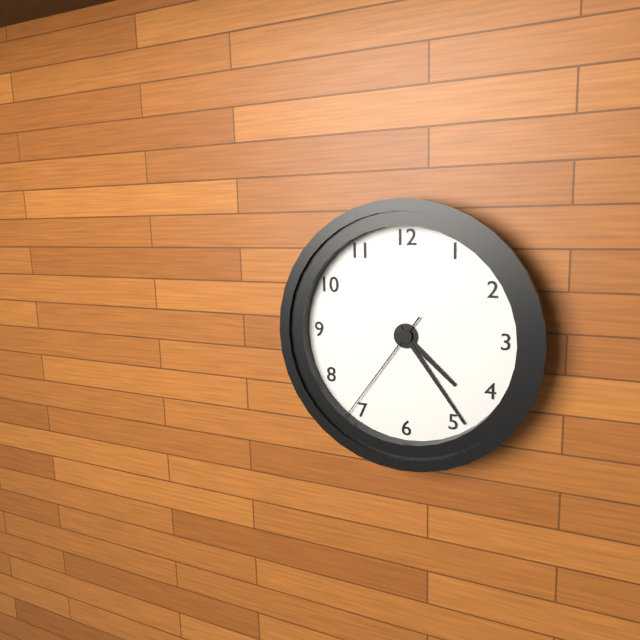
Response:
4.24.36
